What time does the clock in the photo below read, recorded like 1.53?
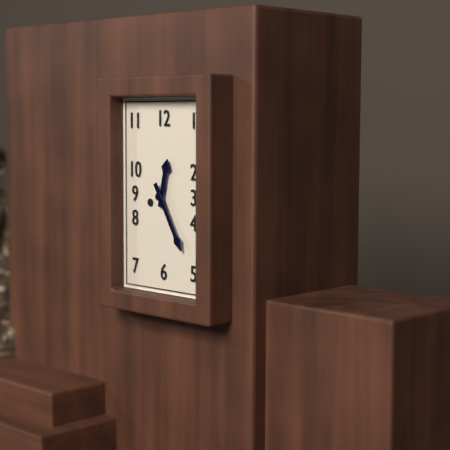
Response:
12.25
